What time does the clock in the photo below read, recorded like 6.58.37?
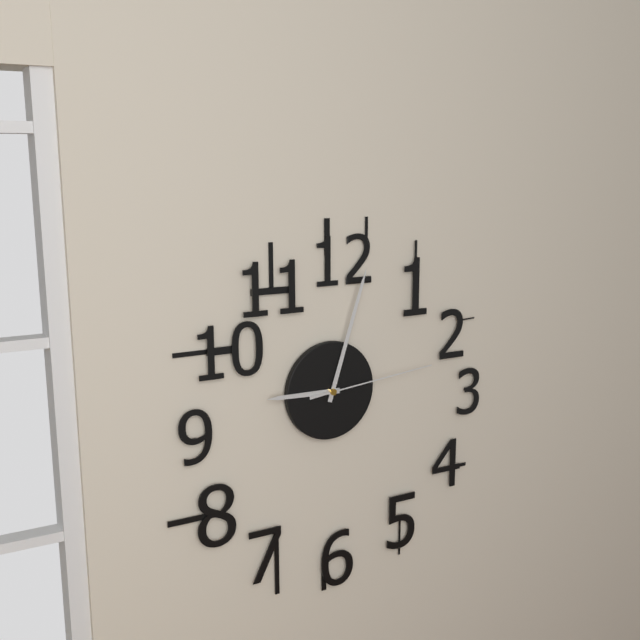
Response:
9.03.14
